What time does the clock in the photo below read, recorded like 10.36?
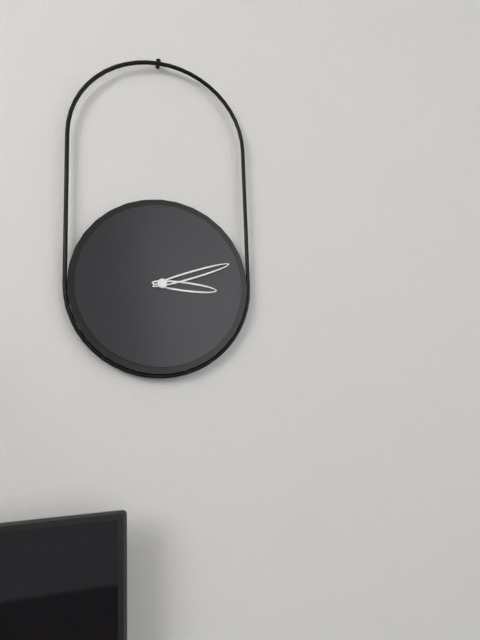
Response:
3.12
